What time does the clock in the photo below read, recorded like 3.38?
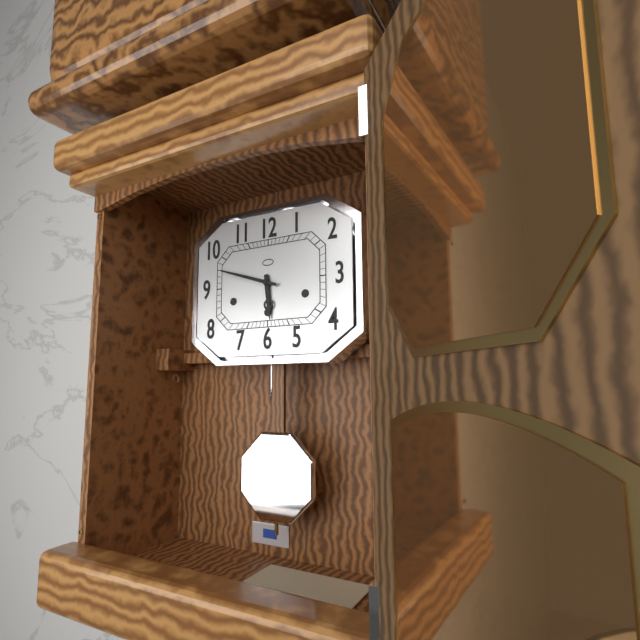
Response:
5.48
